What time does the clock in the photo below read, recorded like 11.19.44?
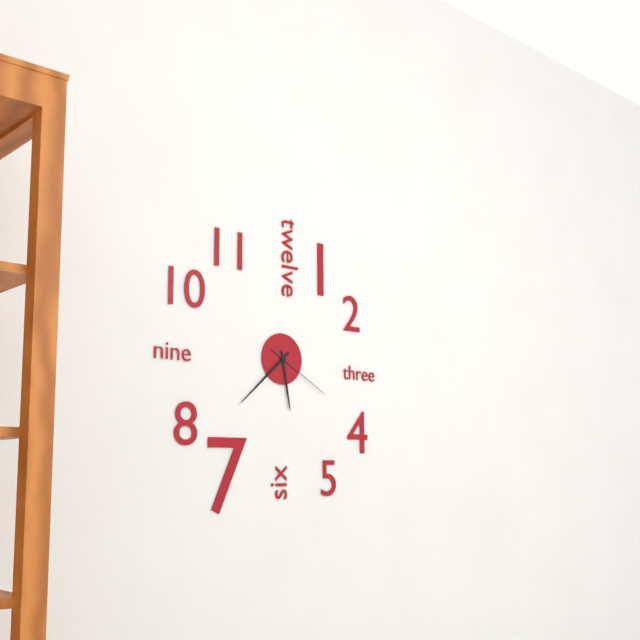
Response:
5.38.20
